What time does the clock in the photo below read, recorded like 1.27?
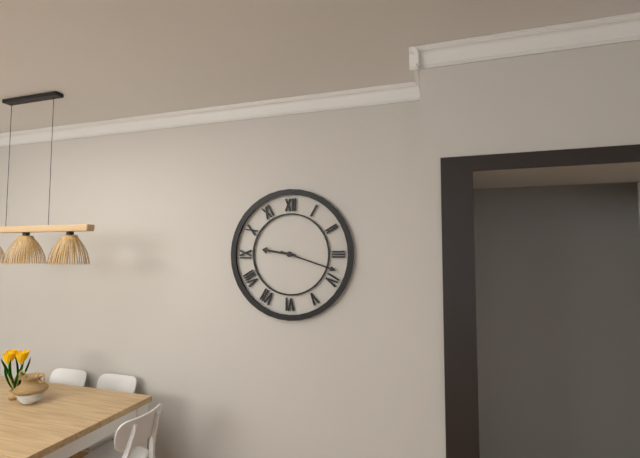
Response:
9.18
